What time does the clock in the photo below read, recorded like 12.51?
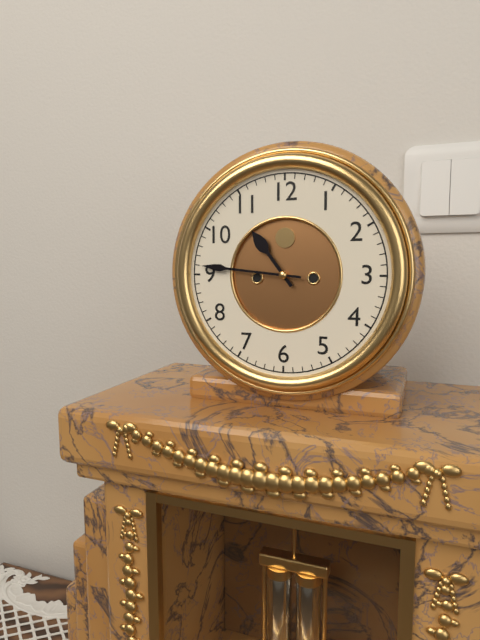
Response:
10.46
